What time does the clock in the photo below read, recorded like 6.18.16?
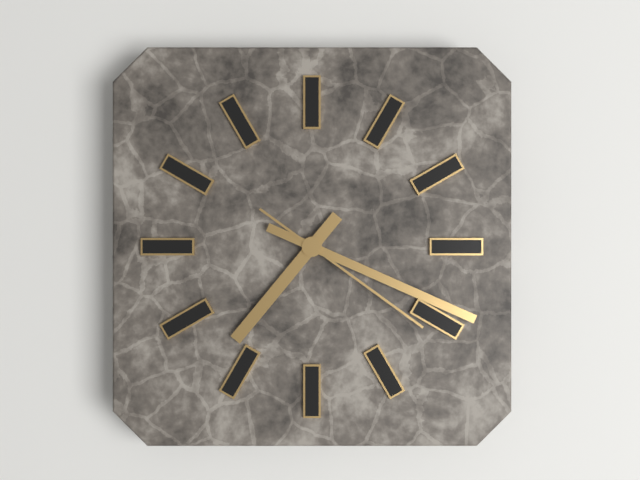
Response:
7.19.21
